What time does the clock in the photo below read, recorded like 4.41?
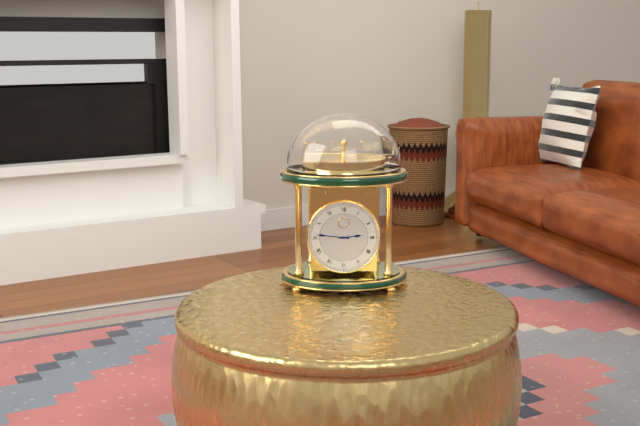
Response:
2.46
